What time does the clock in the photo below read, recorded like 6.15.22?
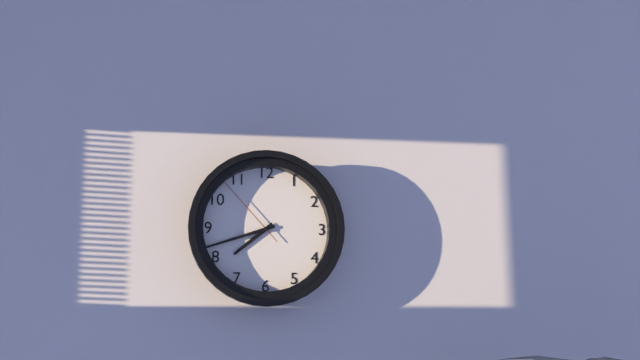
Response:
7.42.53
